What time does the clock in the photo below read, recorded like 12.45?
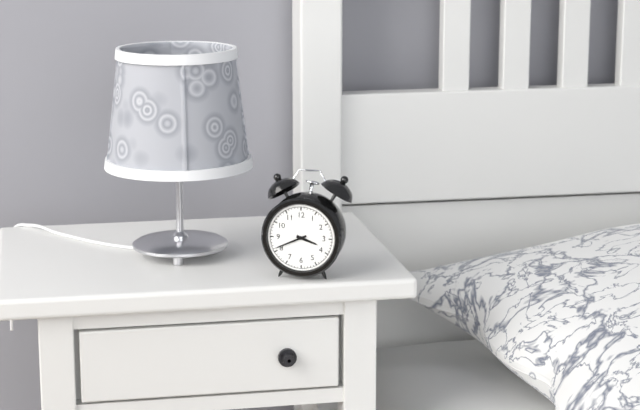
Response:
3.41
